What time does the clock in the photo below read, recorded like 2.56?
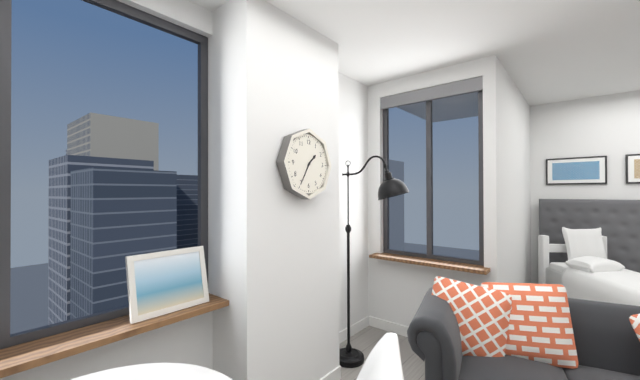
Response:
1.35
